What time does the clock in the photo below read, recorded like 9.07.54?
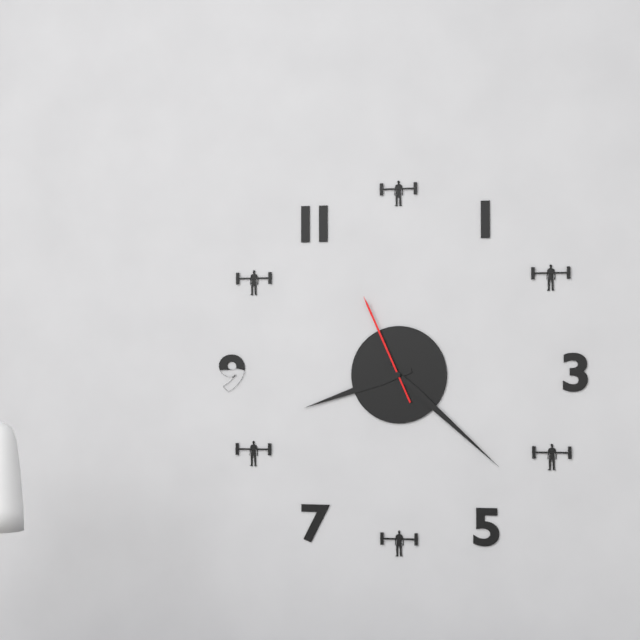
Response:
8.22.56
